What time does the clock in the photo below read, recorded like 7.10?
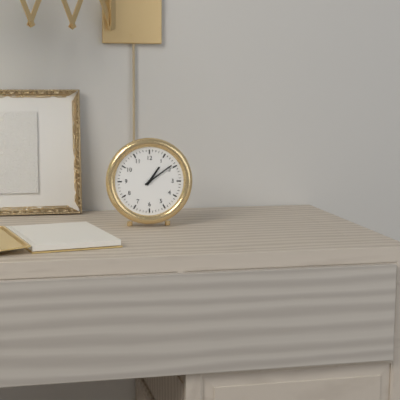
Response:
1.09
